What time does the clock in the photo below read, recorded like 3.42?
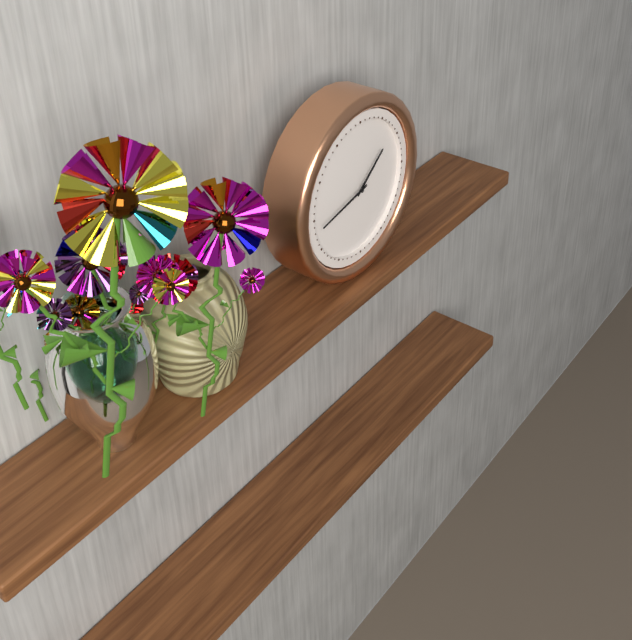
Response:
1.43
